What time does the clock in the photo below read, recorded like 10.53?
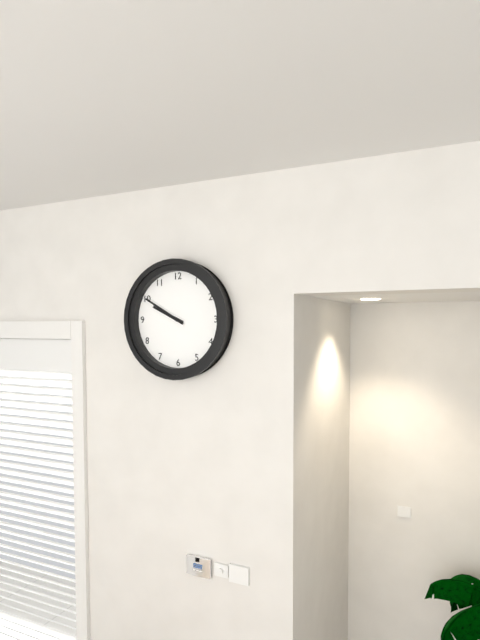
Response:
9.50
